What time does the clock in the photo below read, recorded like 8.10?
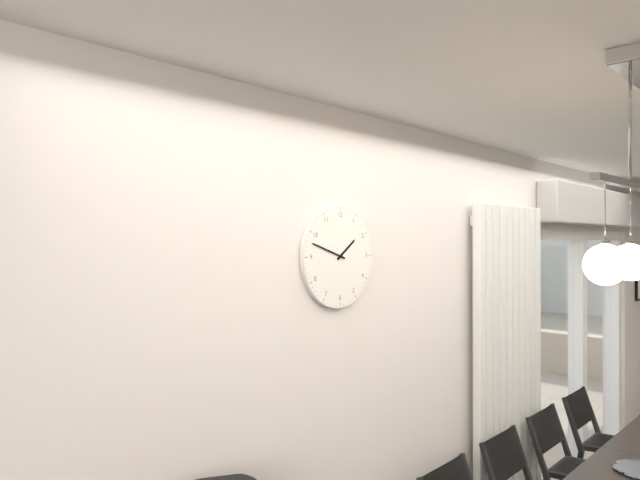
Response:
1.48
